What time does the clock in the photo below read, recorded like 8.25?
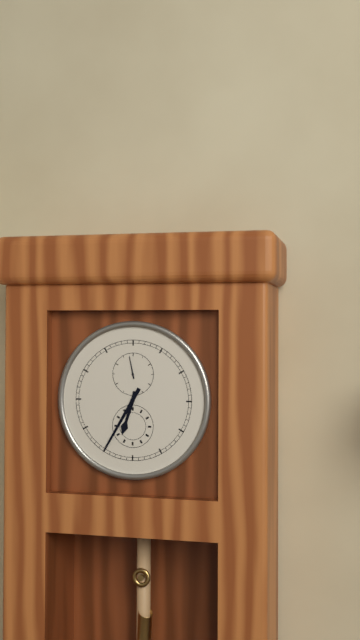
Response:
6.35
